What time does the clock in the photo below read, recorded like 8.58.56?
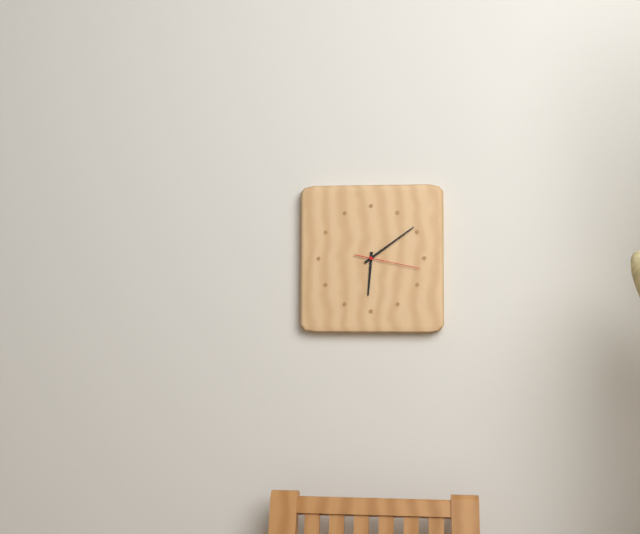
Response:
6.09.17
